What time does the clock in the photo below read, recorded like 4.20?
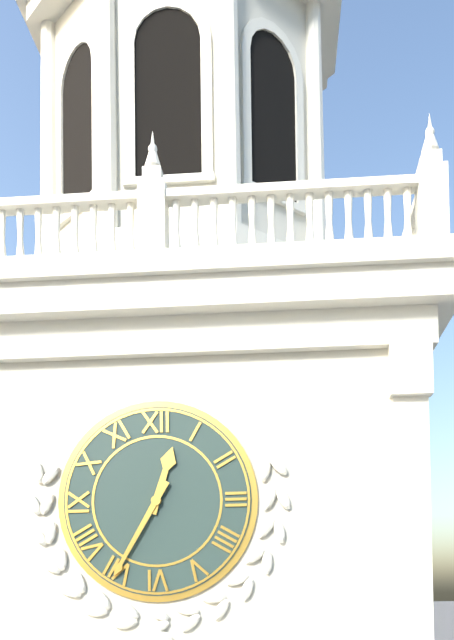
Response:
12.35
